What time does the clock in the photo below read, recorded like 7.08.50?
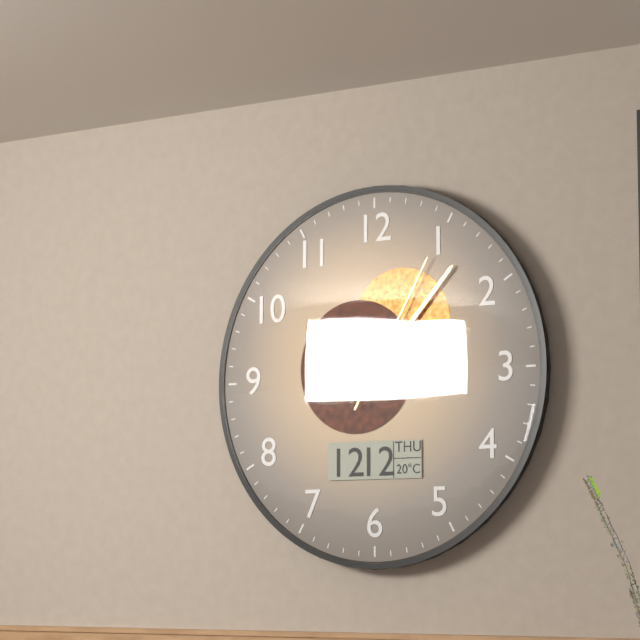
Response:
3.07.05
